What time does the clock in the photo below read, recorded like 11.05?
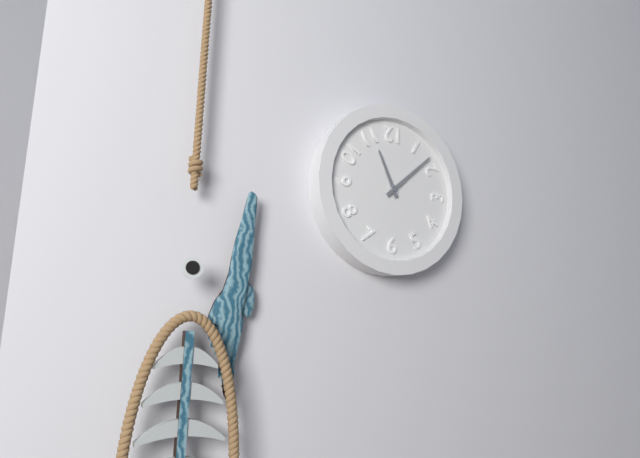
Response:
11.08
